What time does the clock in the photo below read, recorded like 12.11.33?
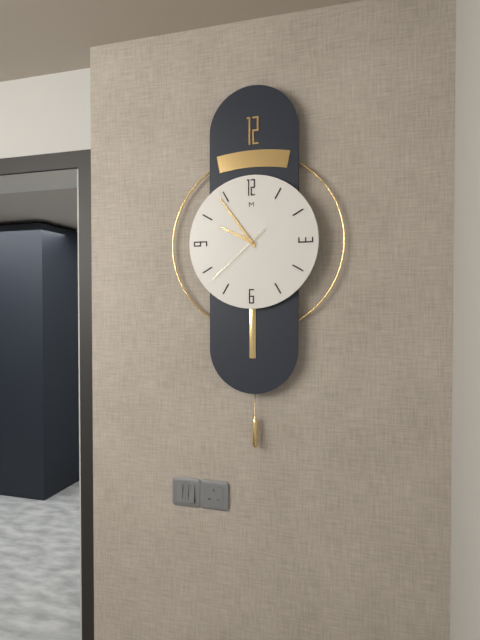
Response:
9.54.38
